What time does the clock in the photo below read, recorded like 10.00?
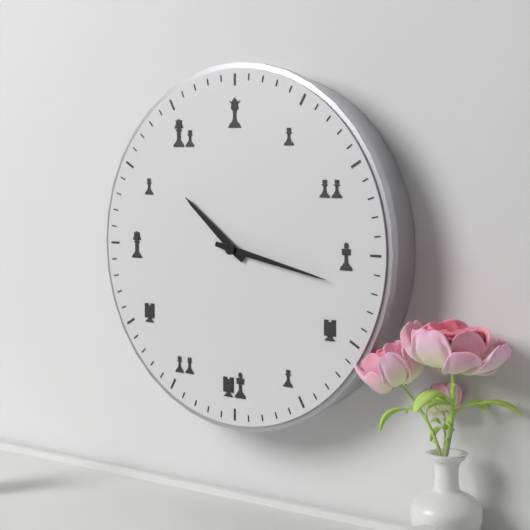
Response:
10.17
